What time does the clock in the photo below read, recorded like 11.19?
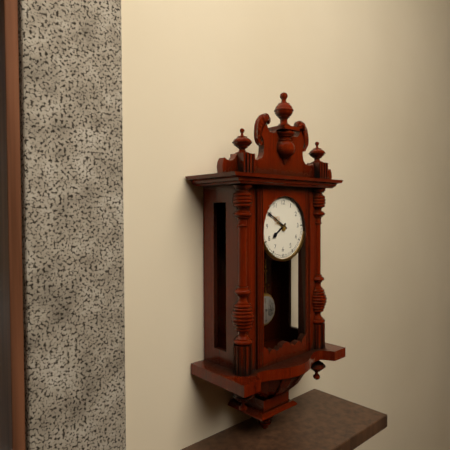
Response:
7.50
